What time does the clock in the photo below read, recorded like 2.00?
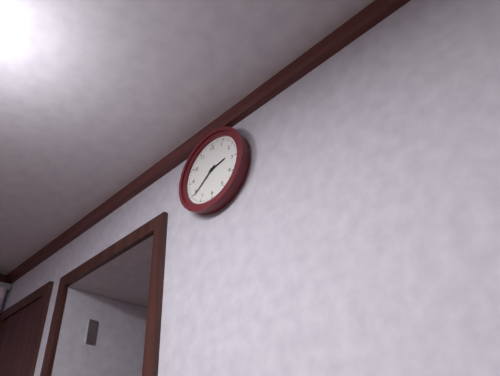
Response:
2.39
